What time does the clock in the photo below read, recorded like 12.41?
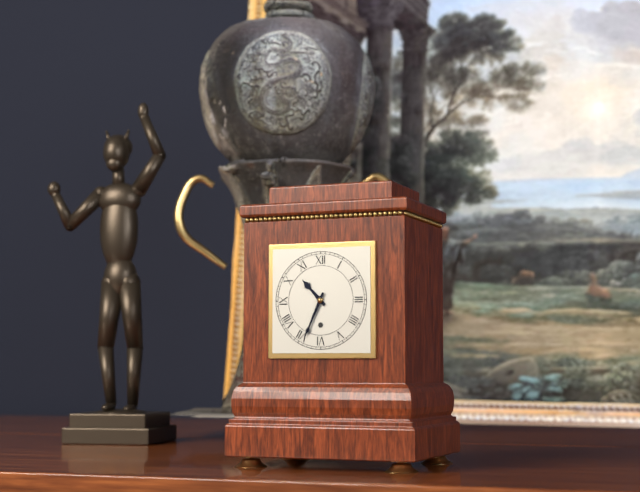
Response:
10.34
